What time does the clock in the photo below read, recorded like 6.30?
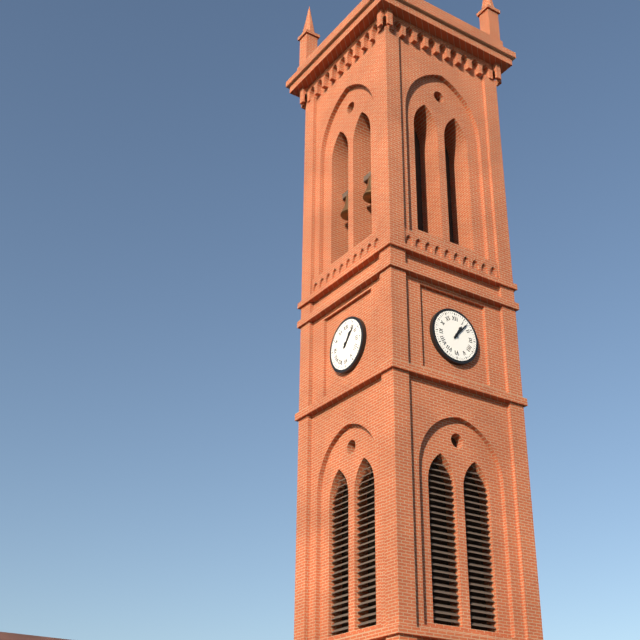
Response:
1.07
